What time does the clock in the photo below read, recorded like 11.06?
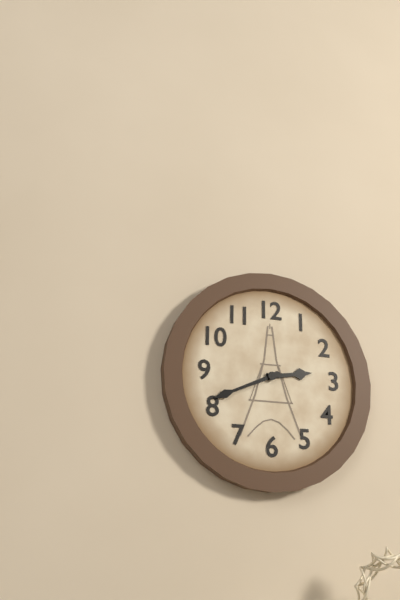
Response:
2.41
